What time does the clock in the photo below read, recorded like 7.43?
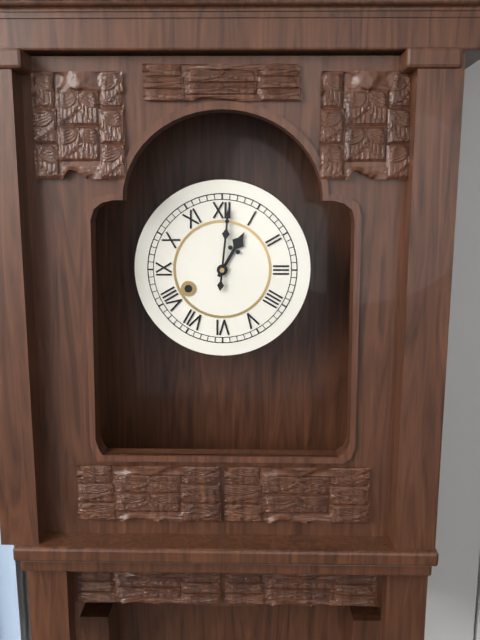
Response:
1.01
